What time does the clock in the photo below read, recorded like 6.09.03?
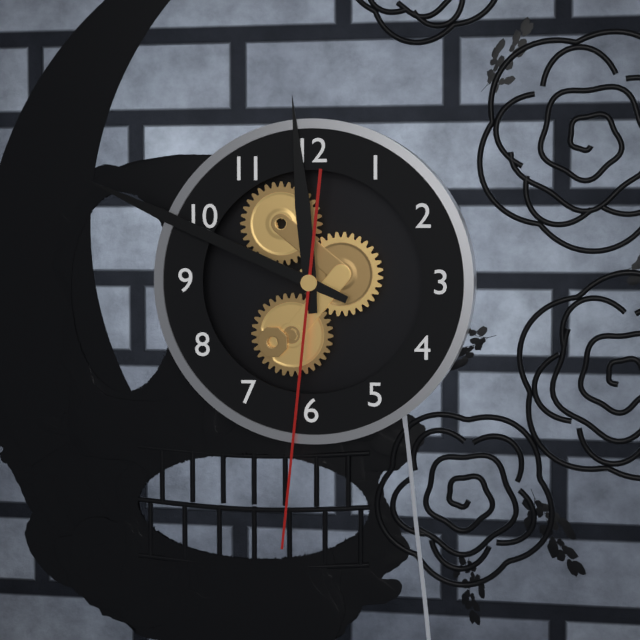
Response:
11.49.31
